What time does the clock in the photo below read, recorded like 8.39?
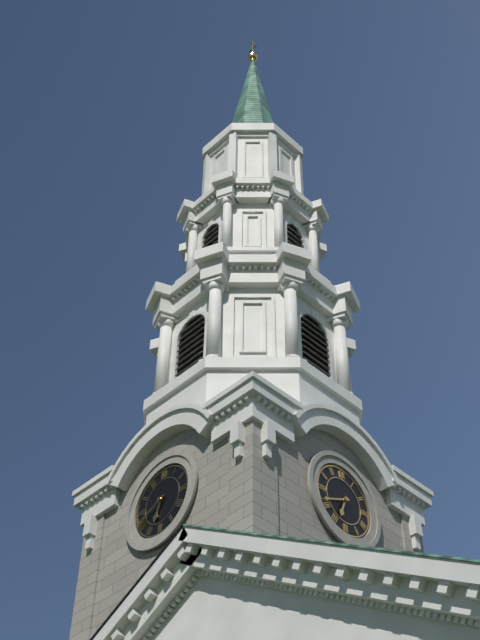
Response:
6.41
